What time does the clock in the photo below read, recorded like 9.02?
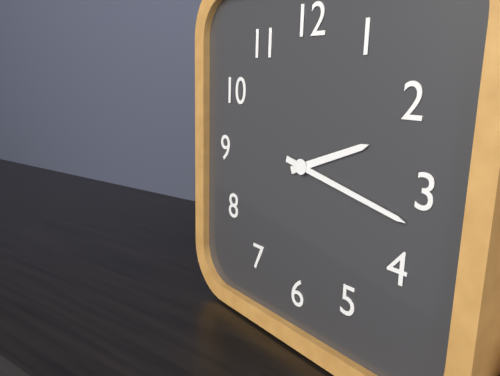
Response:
2.17
